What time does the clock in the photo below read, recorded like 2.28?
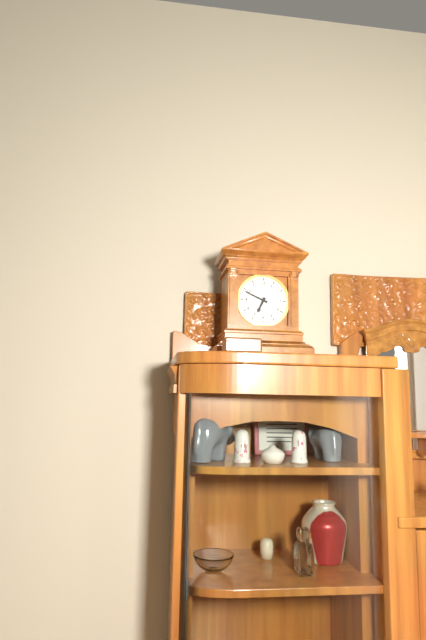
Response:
6.49
